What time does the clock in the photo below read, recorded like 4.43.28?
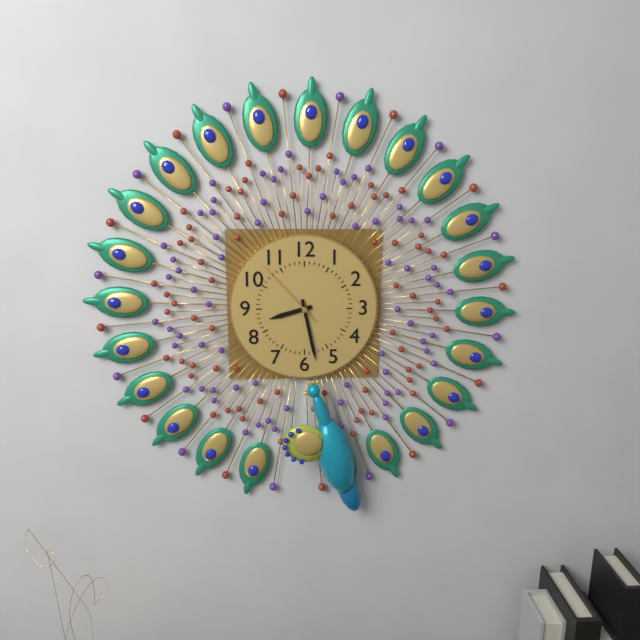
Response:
8.28.53
